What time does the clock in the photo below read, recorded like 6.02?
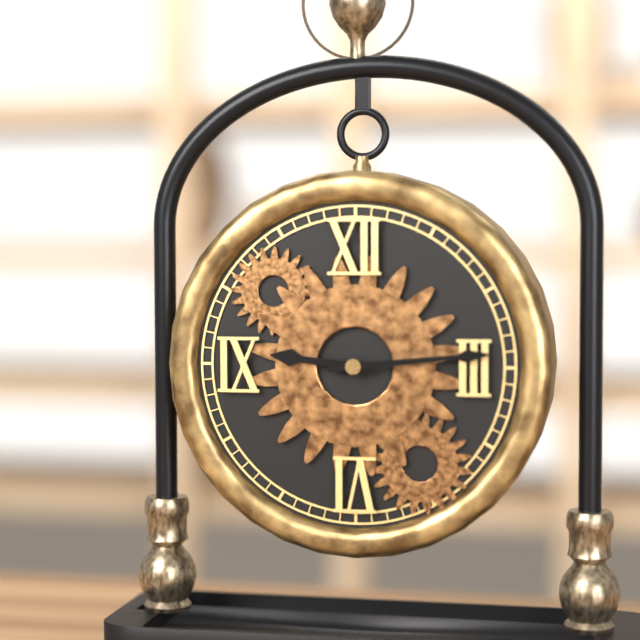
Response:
9.14
